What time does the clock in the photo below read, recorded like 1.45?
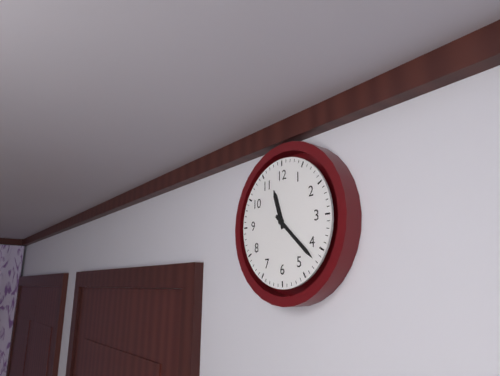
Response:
11.22
